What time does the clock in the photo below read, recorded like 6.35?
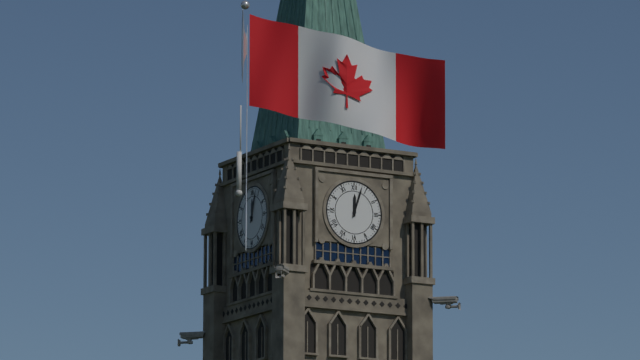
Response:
12.03
